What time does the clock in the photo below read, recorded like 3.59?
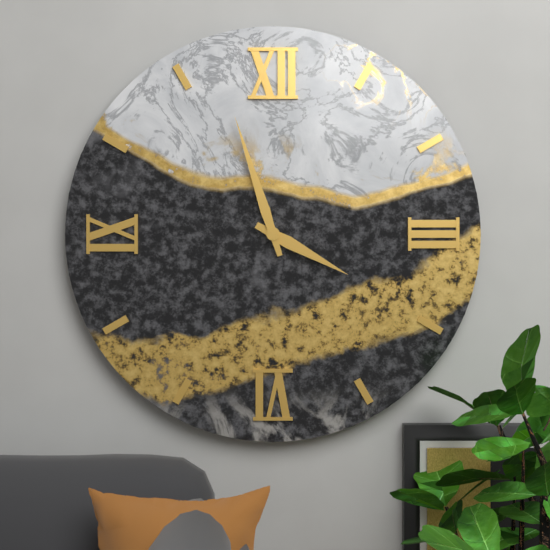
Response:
3.57
